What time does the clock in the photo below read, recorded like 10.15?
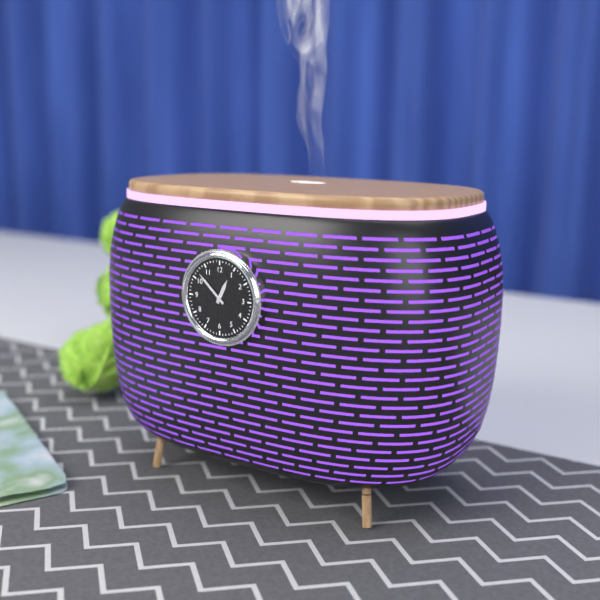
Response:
12.52
